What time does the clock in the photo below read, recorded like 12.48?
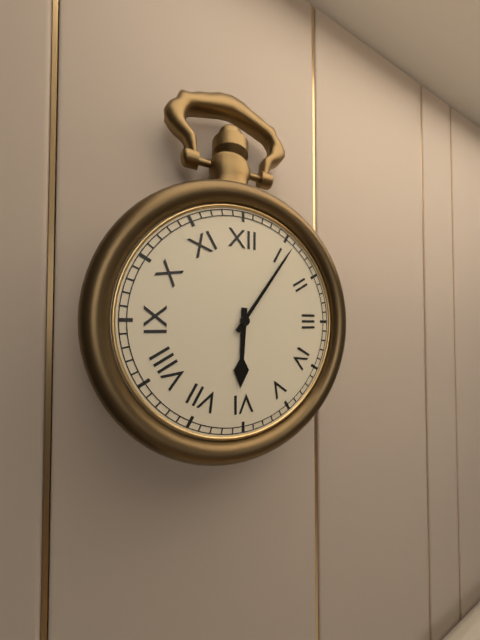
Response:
6.06
